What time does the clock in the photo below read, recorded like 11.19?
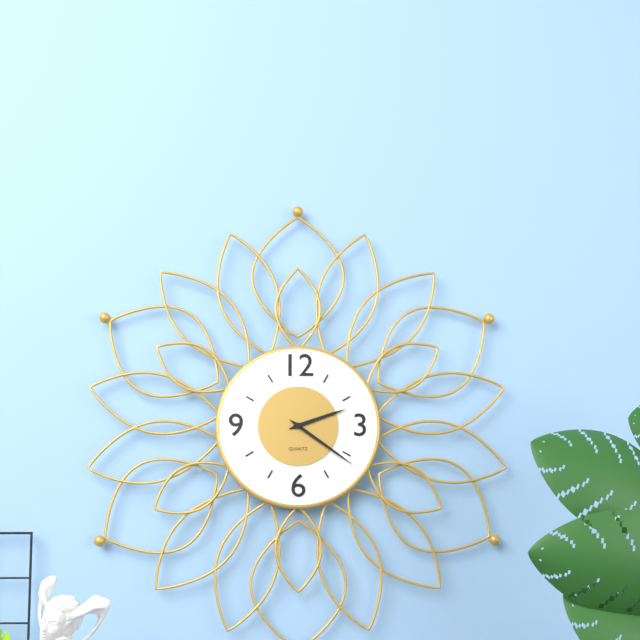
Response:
2.21
